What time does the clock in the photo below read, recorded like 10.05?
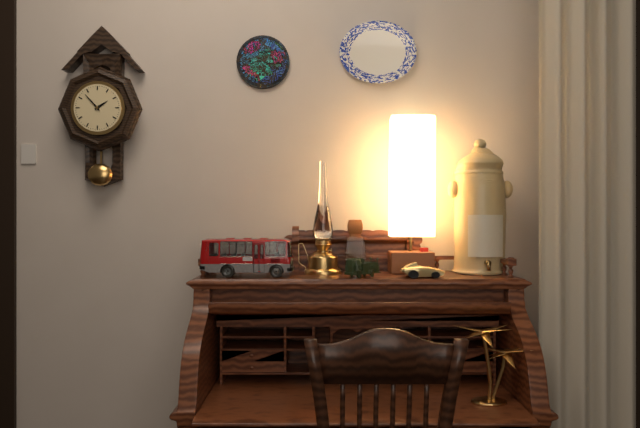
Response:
1.53
